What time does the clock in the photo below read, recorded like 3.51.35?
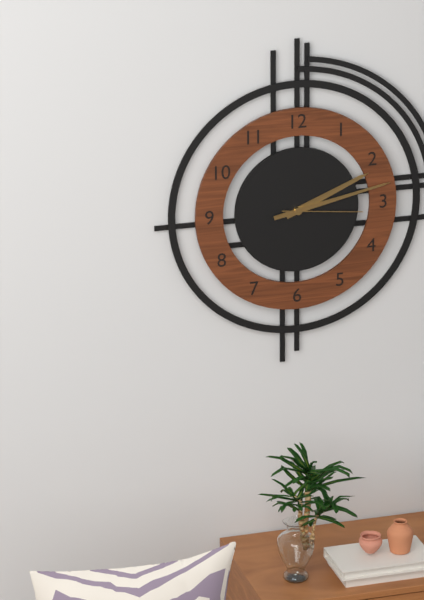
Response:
2.13.16
